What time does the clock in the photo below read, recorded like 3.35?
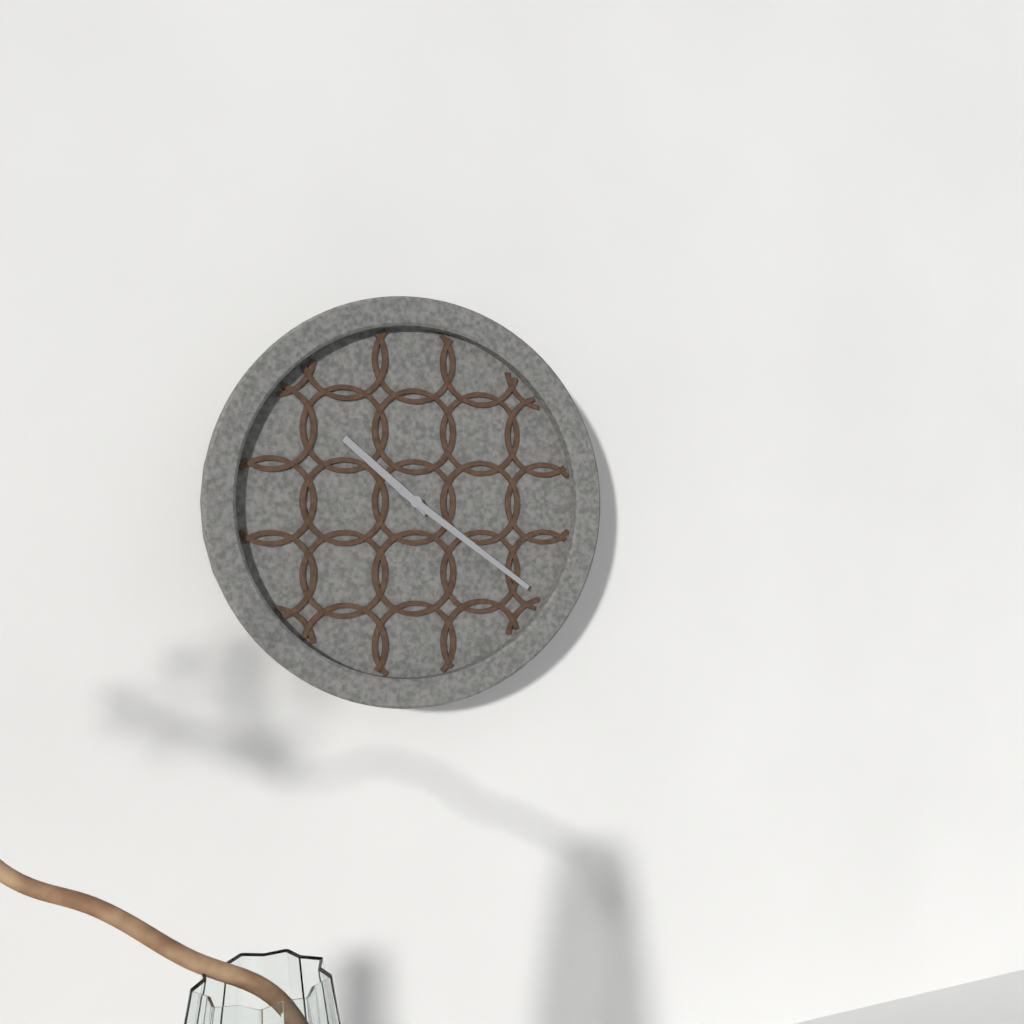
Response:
10.21
